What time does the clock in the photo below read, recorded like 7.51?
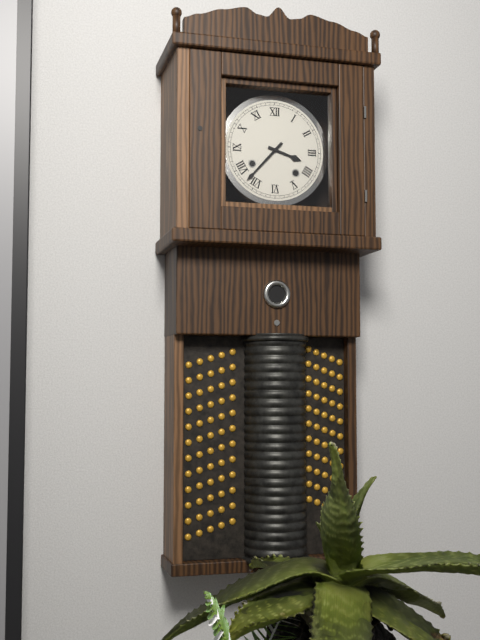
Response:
3.37
